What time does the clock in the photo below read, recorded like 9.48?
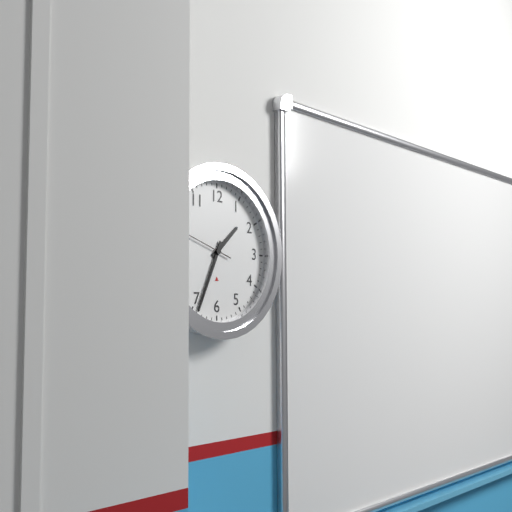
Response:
1.34
